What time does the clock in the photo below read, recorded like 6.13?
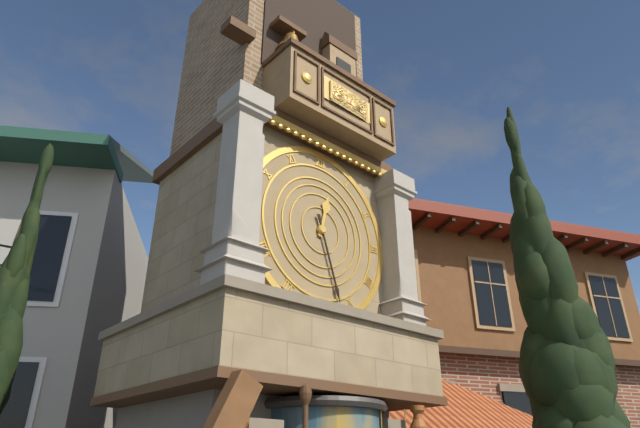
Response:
12.27
